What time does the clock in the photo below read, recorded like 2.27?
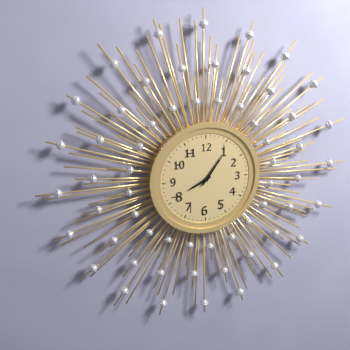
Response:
8.06
